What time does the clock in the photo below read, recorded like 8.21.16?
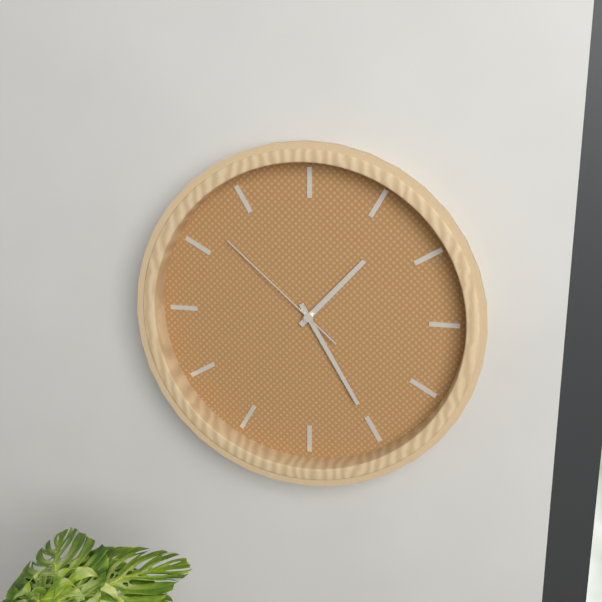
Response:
1.25.52
